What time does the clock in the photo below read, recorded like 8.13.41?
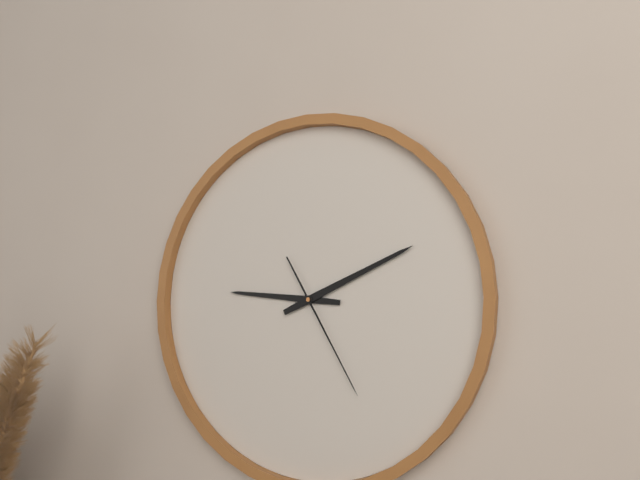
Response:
9.11.25
